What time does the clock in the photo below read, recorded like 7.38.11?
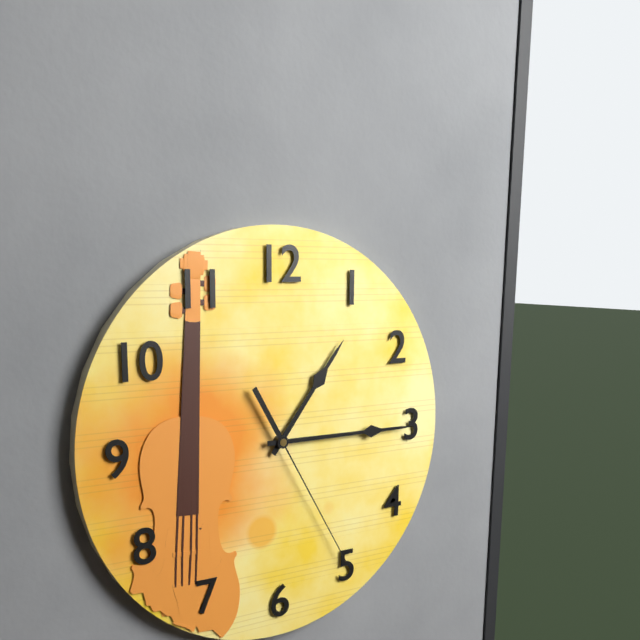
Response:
1.15.25
